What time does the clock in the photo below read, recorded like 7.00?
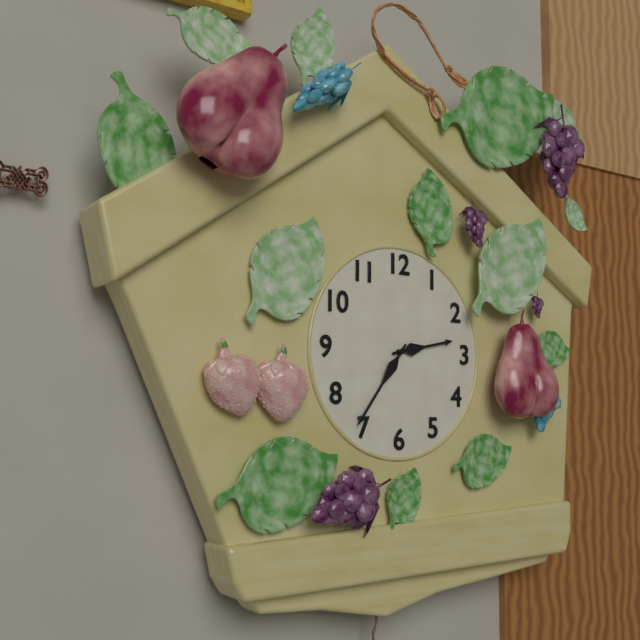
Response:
2.36
